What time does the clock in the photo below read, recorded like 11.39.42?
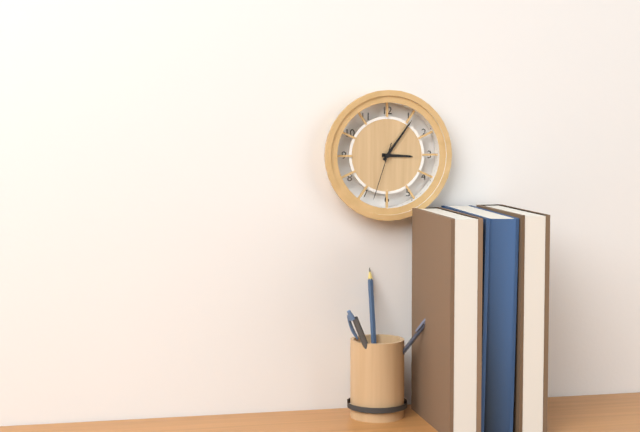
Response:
3.06.33
